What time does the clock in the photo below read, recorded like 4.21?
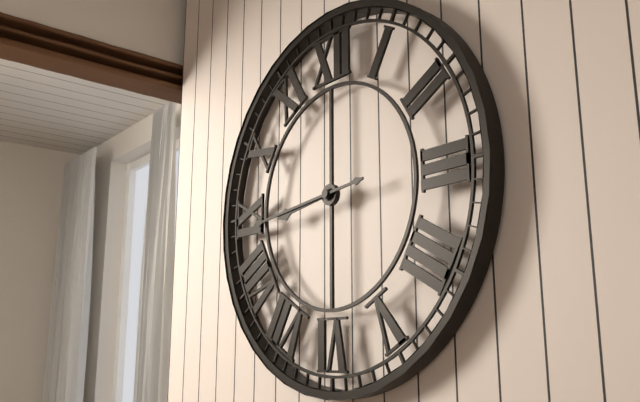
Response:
8.44
